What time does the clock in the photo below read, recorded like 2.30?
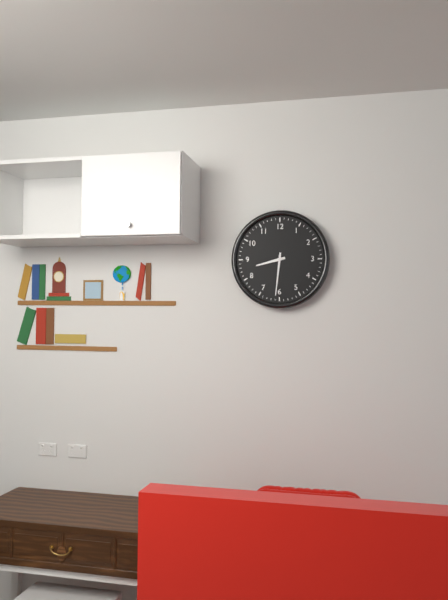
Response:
8.31
